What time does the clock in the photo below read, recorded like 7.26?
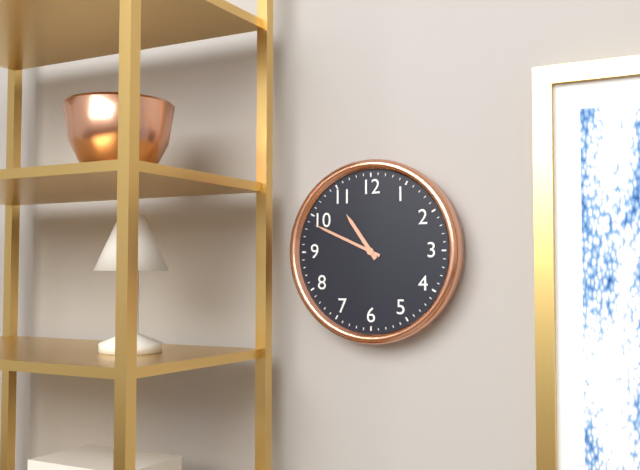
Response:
10.49
